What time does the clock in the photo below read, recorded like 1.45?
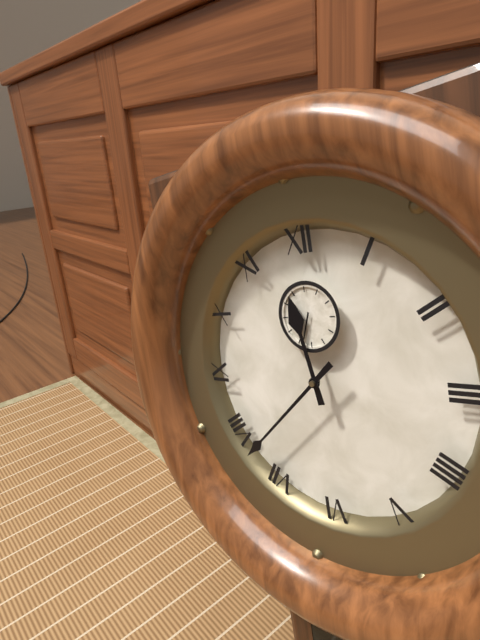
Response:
11.38
